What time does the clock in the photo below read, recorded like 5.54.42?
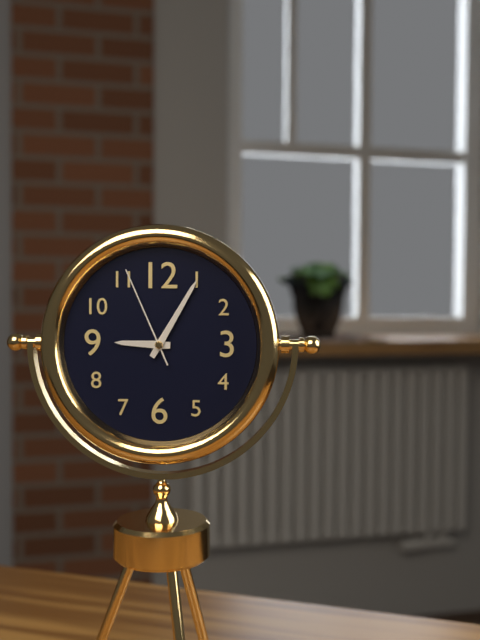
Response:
9.05.56
